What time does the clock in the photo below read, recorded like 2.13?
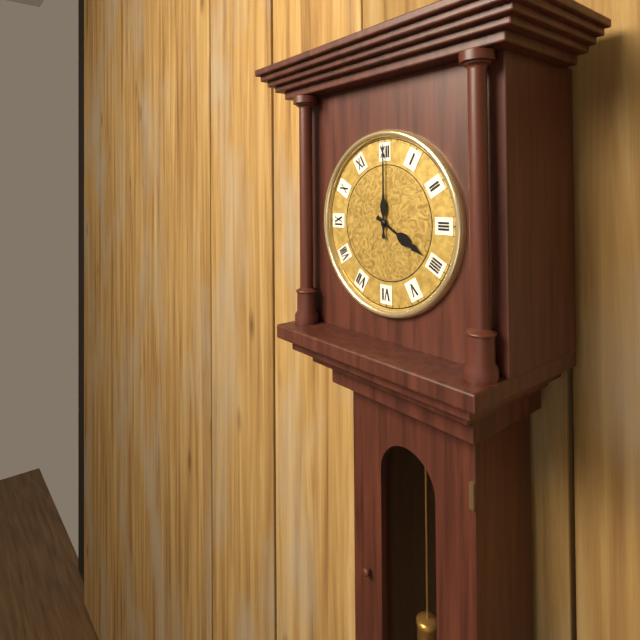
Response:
4.00
